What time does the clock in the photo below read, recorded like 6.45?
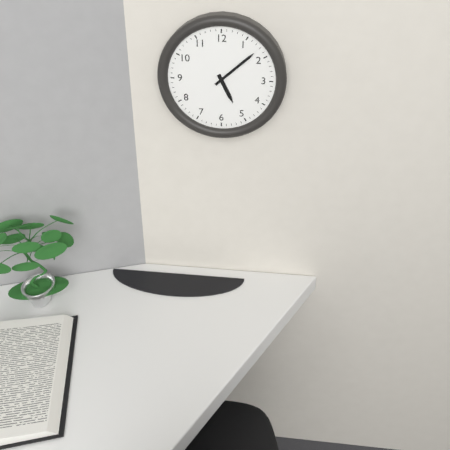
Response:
5.08
